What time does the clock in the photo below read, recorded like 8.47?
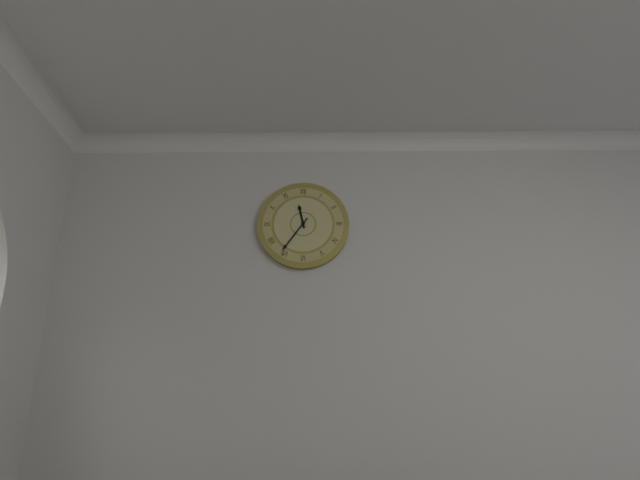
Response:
11.36
